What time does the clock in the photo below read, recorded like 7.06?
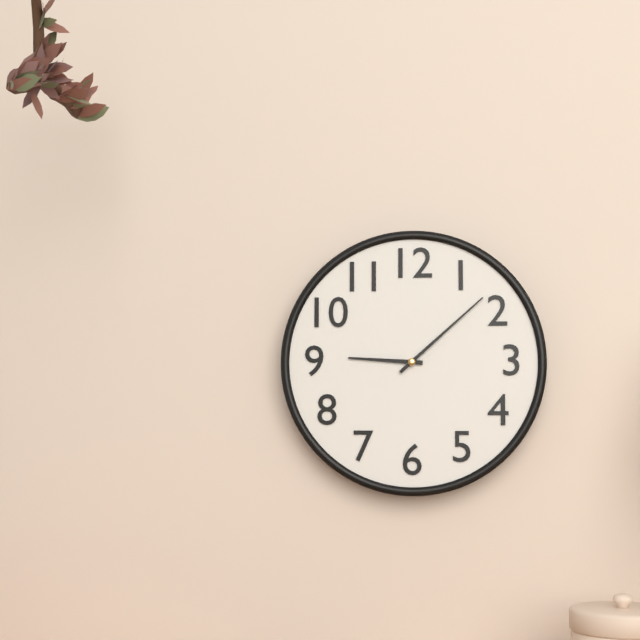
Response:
9.08
